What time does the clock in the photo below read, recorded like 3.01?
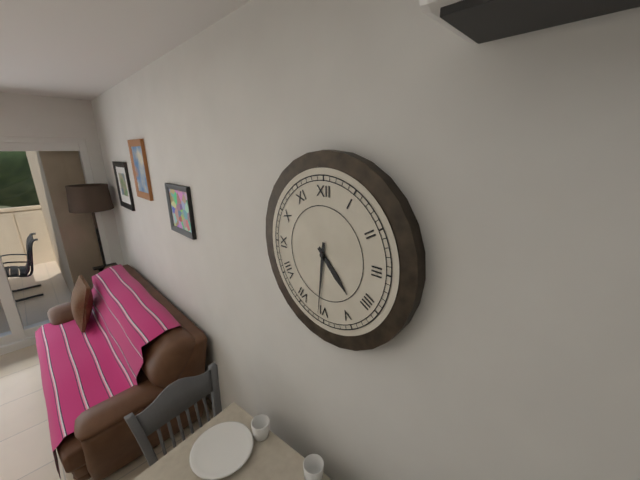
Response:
4.31
